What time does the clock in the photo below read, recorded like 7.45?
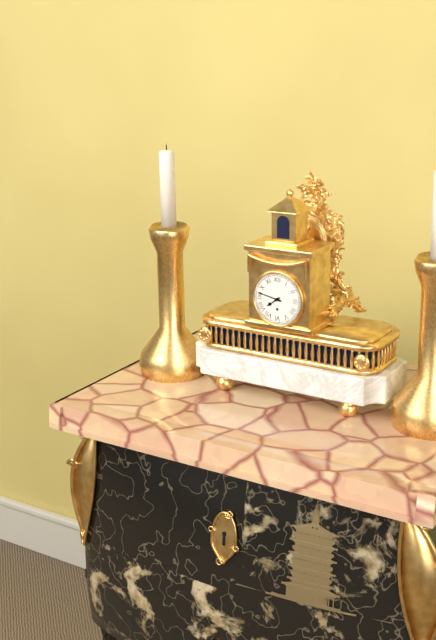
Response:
7.47
